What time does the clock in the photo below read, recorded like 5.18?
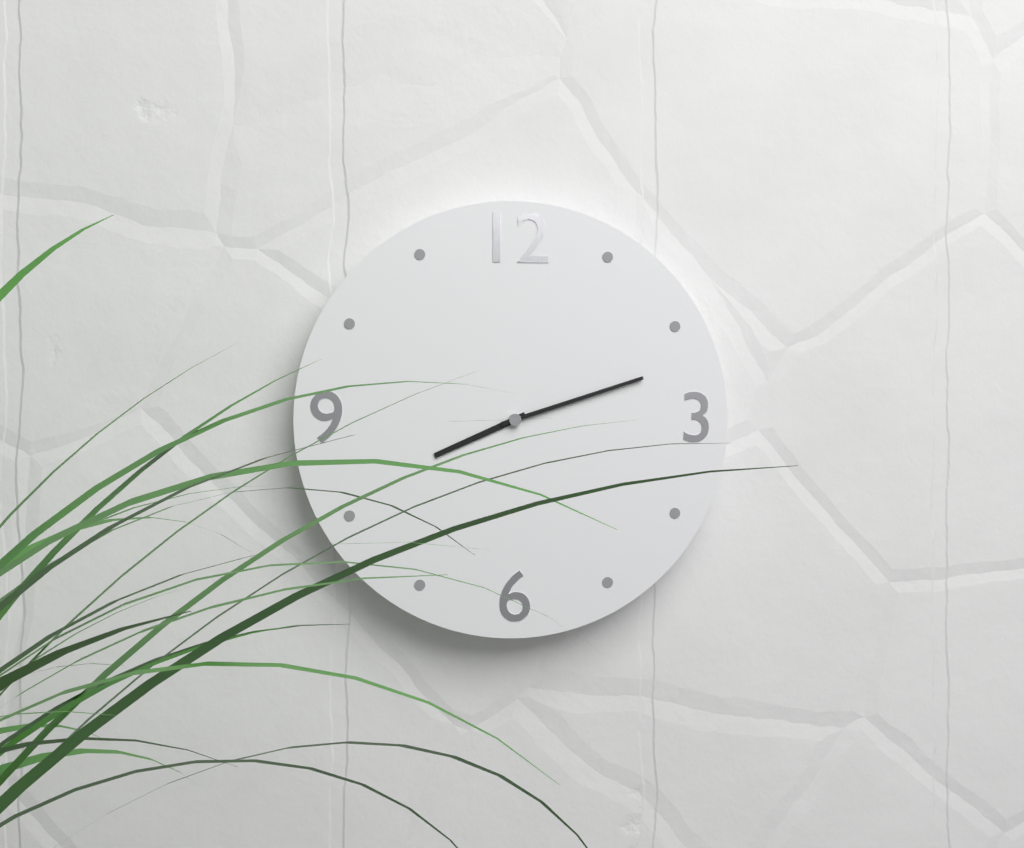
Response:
8.12
